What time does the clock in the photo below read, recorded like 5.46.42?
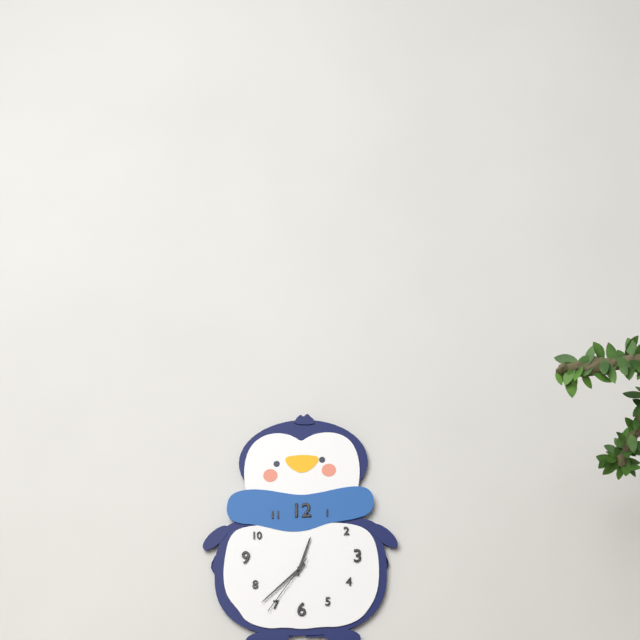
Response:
12.38.36
